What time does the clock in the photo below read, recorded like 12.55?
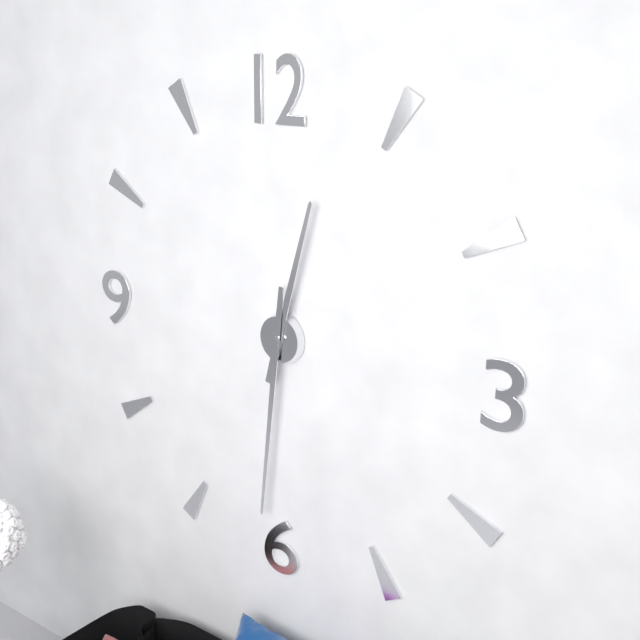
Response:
12.31
